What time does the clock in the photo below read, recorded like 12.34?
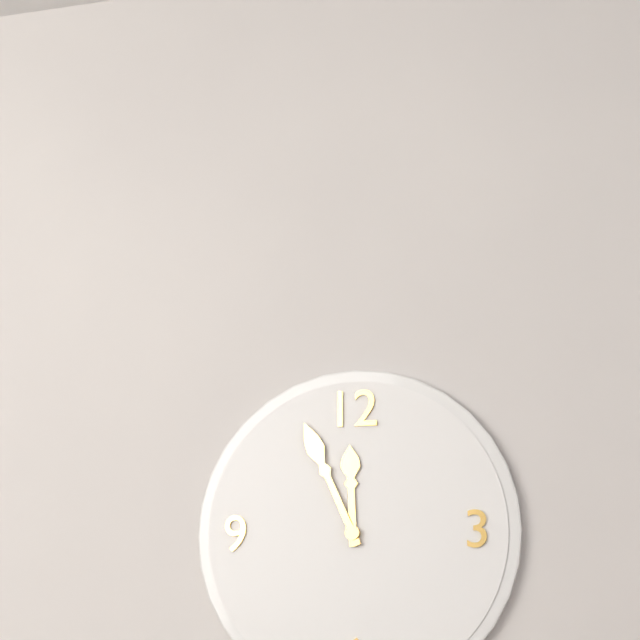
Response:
11.56
